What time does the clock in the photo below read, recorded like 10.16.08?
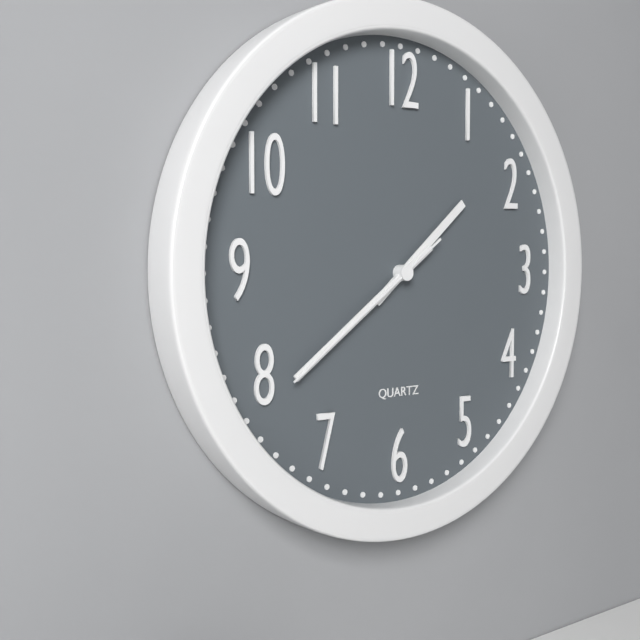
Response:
1.39.39
